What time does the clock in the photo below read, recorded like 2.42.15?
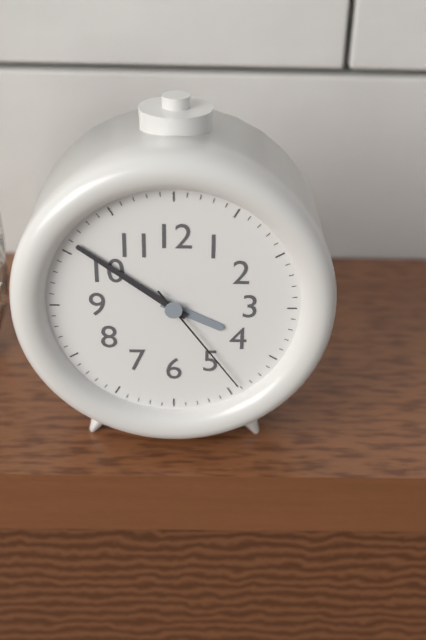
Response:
3.51.24
